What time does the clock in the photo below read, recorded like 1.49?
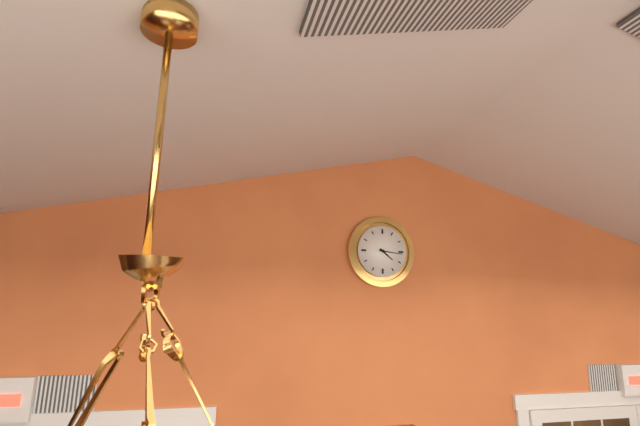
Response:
4.16
